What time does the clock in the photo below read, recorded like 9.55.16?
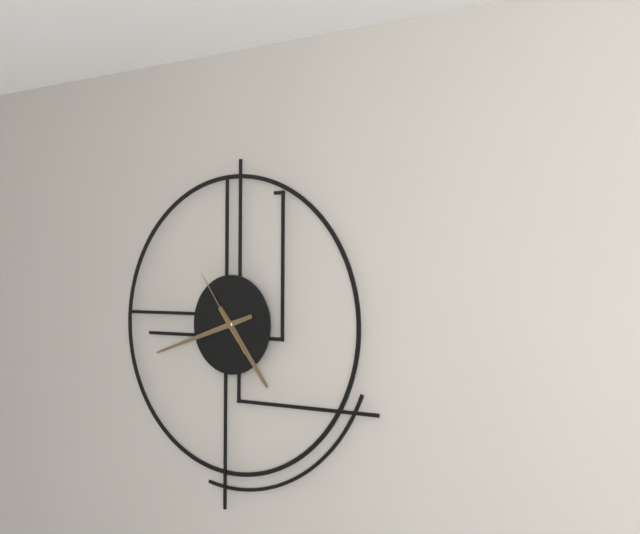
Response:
4.42.54
